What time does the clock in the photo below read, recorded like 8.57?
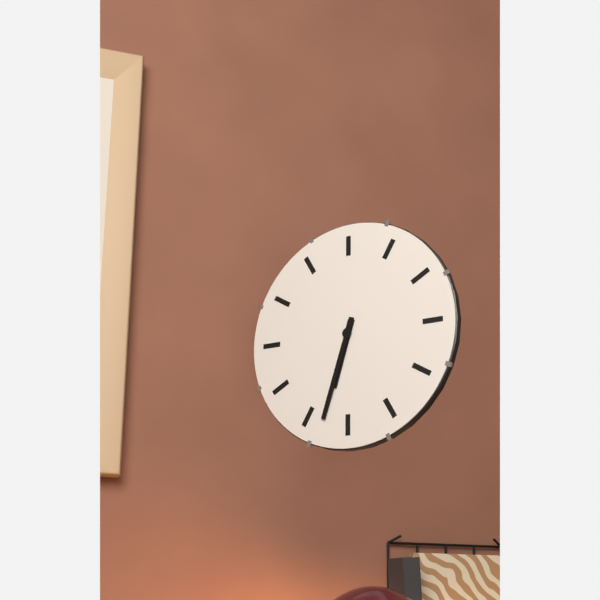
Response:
6.33
